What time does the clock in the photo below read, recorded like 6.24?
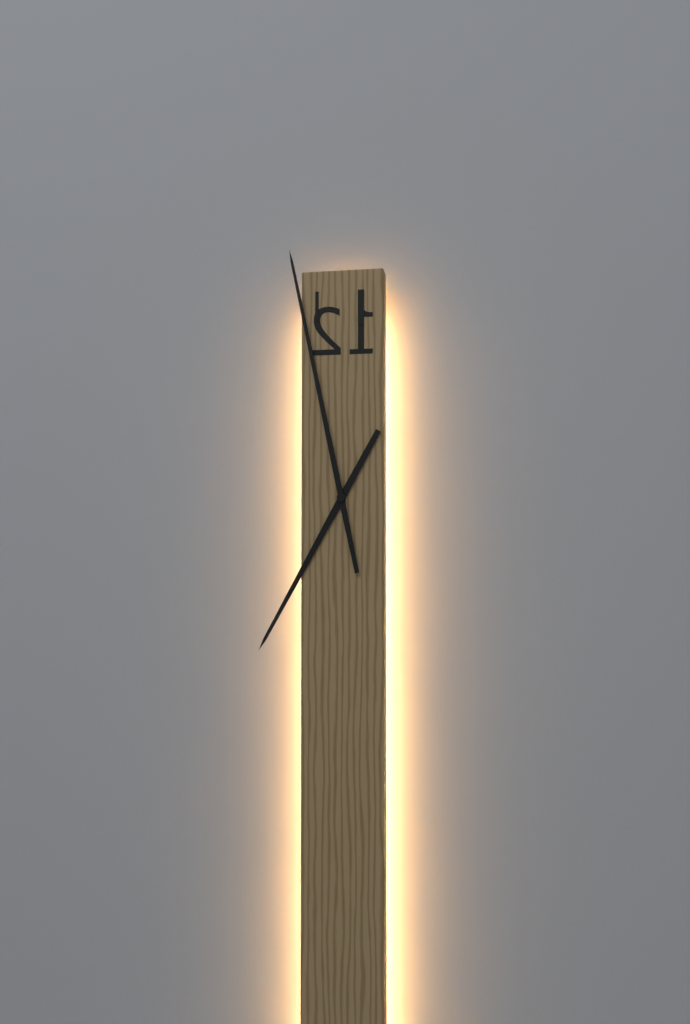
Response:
6.58
